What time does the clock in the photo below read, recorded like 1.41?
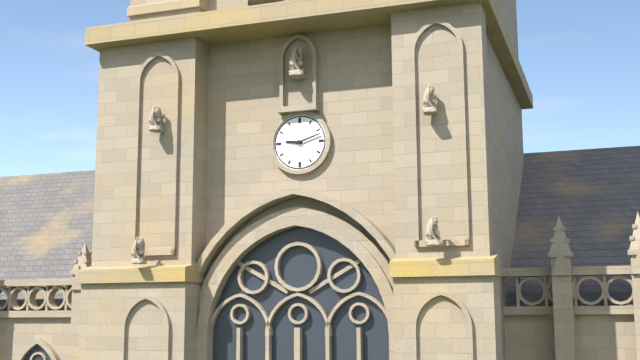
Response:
9.12
